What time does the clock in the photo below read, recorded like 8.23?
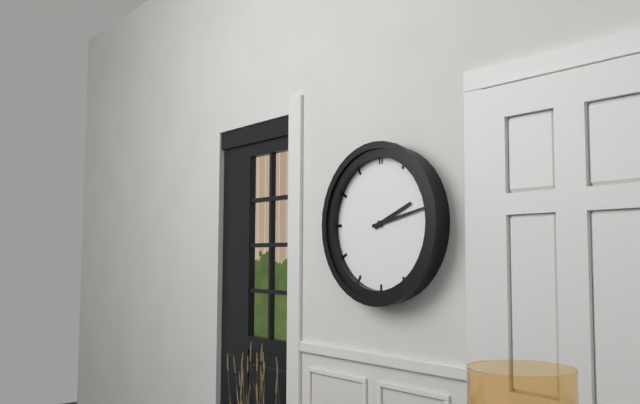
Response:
2.13
